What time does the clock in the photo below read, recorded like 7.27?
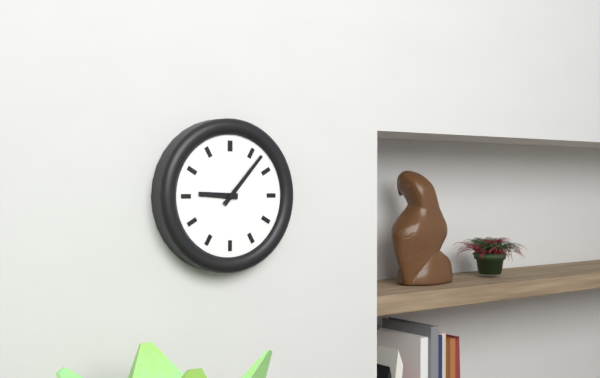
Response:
9.07
